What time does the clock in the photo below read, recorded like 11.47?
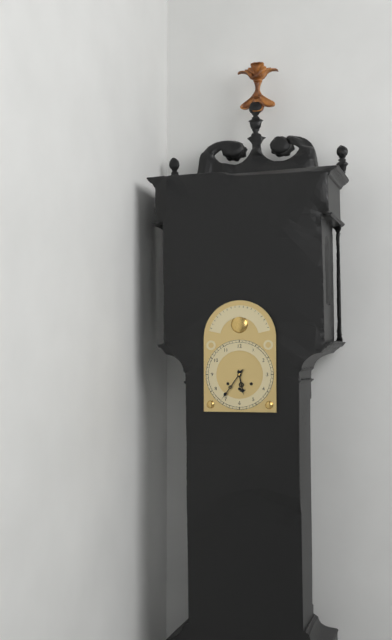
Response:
5.36
